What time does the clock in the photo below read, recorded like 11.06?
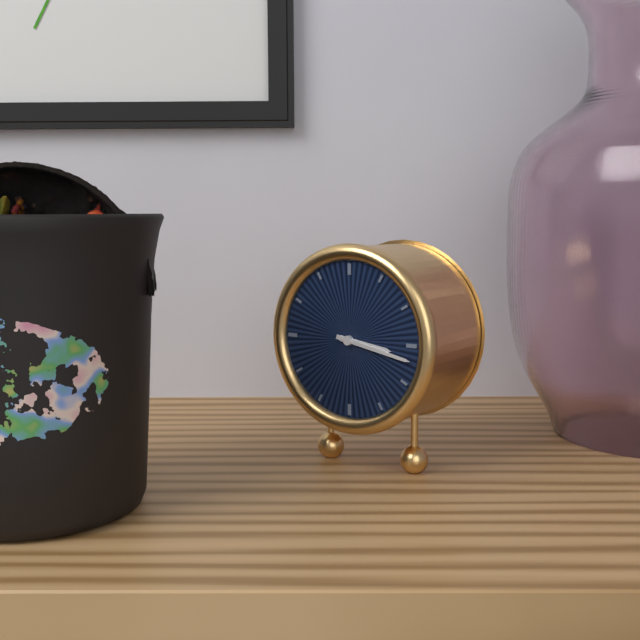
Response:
3.17
